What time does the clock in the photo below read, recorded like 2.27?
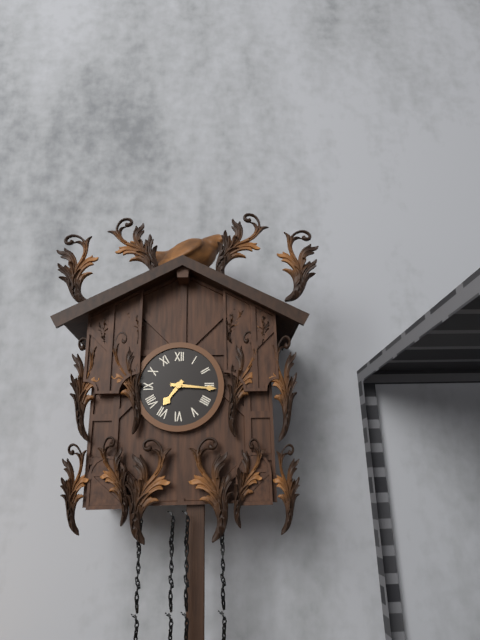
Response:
7.16
